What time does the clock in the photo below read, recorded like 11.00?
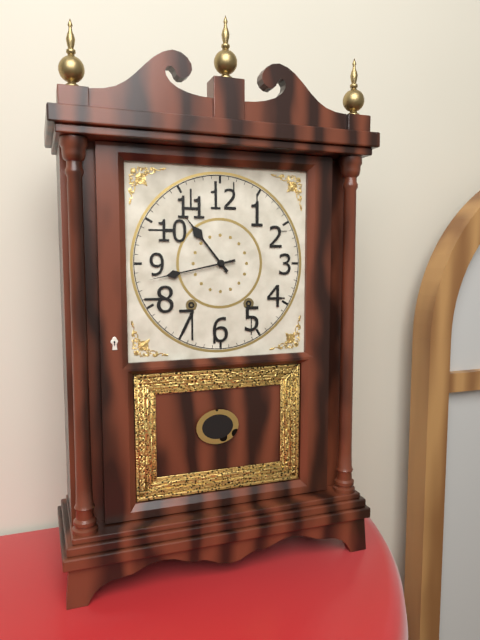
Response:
10.43
